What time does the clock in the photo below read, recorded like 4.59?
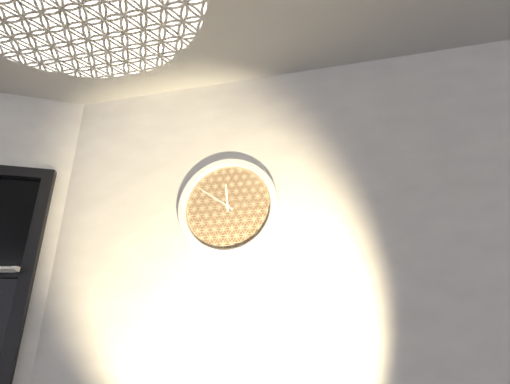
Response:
11.51
